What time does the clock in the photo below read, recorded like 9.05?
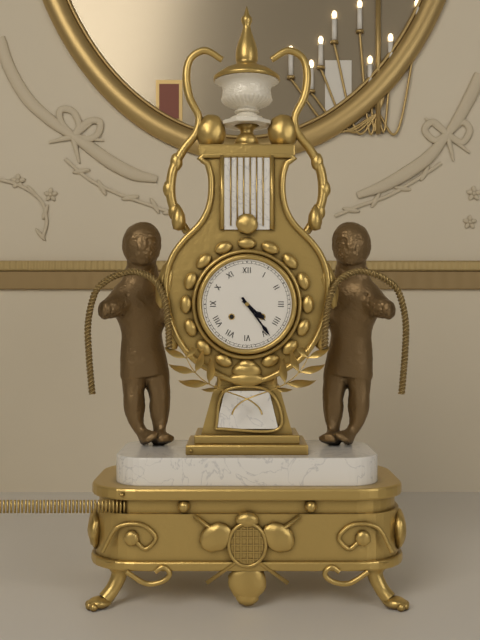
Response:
4.24
